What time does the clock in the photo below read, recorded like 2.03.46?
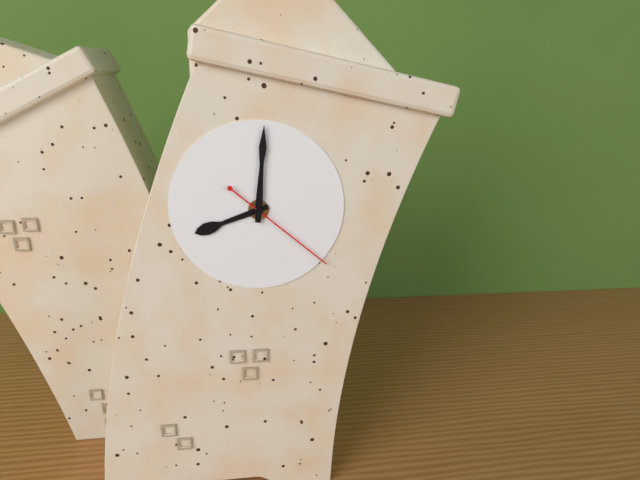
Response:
7.59.20
